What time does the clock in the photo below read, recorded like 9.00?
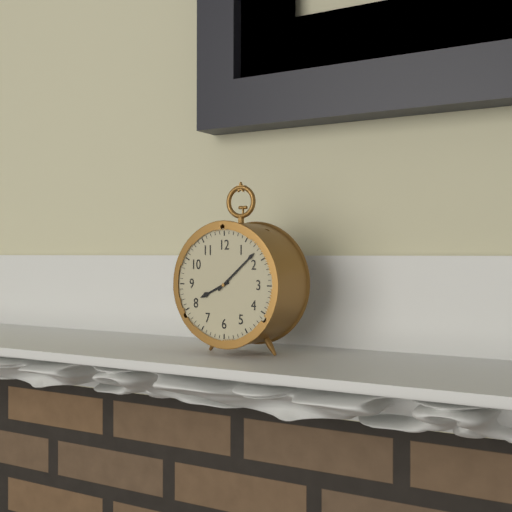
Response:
8.08
